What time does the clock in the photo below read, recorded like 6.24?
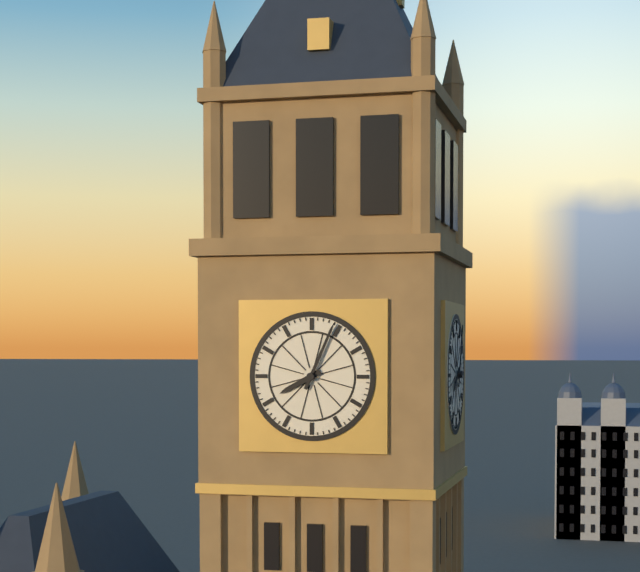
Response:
8.04
